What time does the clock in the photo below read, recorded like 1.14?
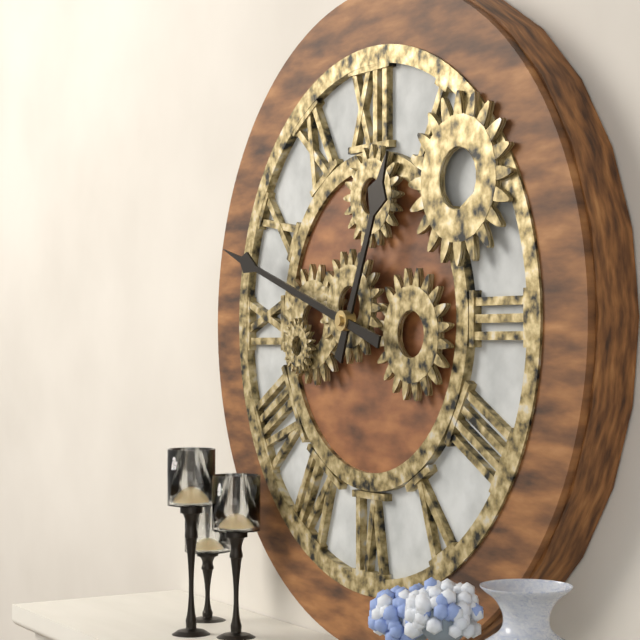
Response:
12.48
